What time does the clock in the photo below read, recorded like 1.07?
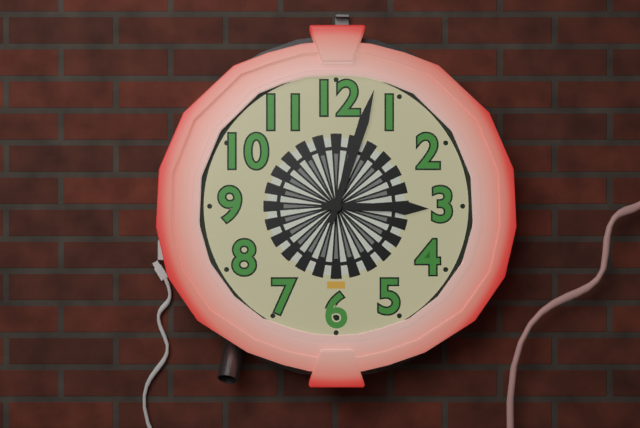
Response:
3.03
